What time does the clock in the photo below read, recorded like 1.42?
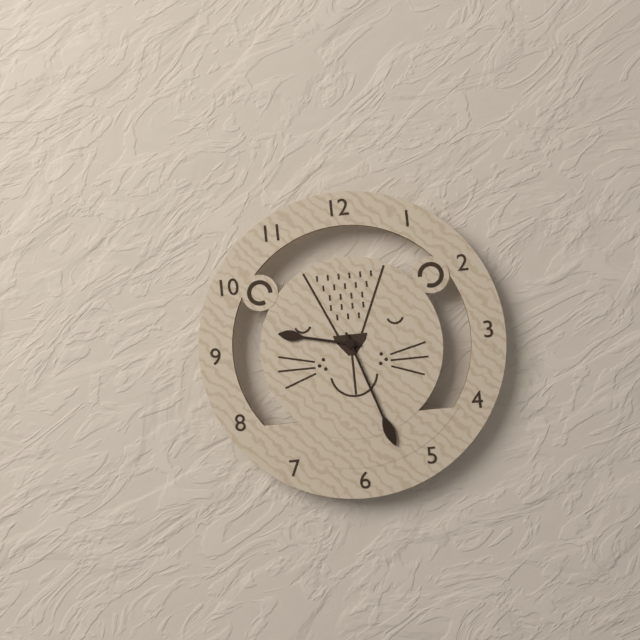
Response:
9.27
